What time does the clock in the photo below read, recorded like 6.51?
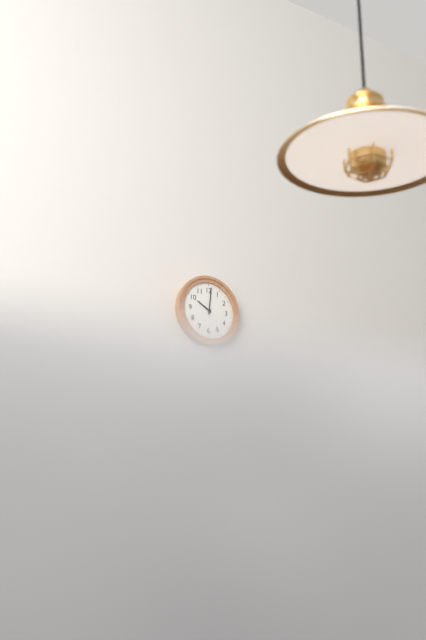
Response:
10.01
